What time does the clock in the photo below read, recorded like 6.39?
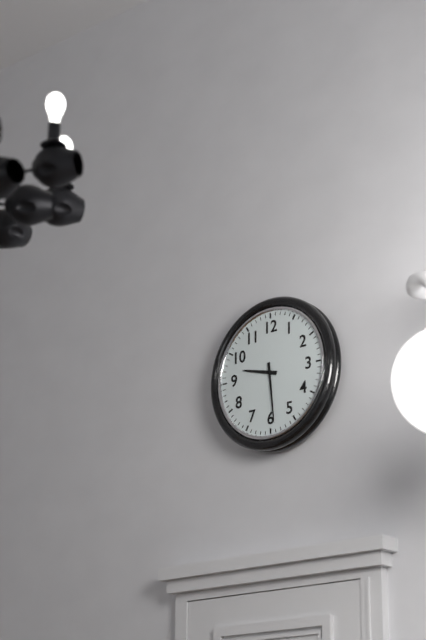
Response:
9.29
